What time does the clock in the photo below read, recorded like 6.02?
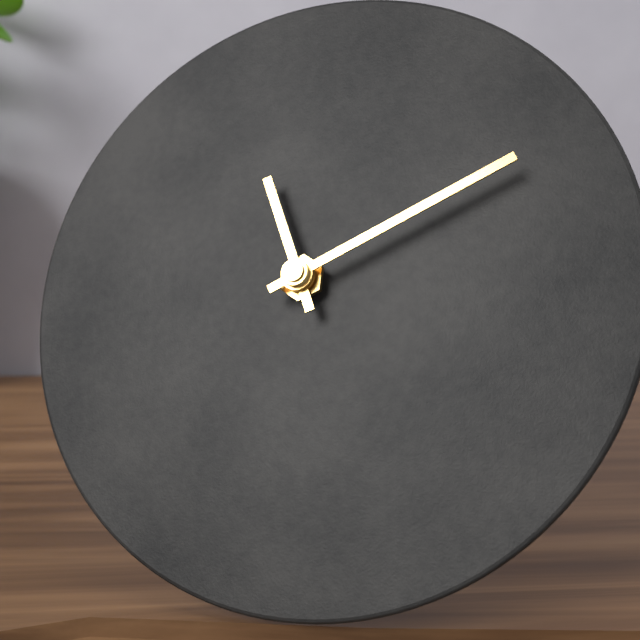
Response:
11.10
